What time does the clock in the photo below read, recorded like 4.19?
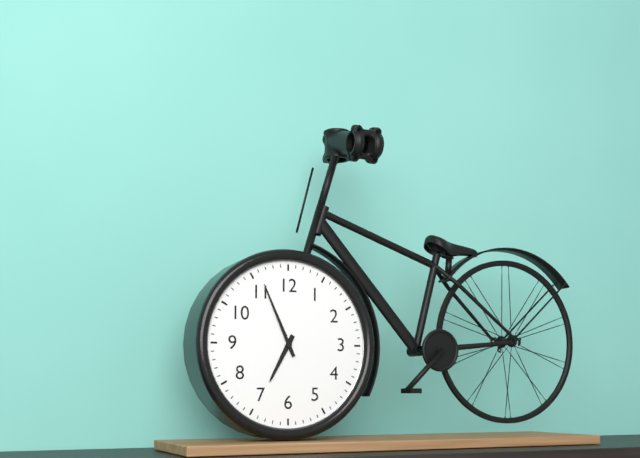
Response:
6.56
